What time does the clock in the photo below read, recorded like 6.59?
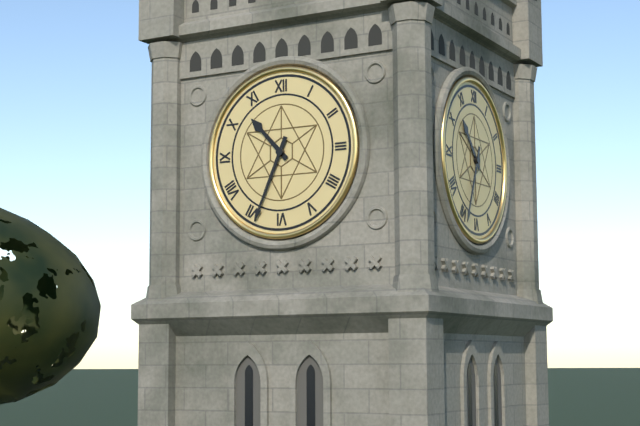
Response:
10.34
